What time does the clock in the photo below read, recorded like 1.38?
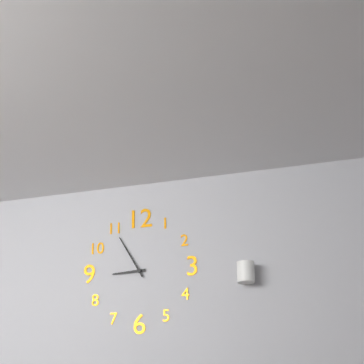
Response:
8.55
